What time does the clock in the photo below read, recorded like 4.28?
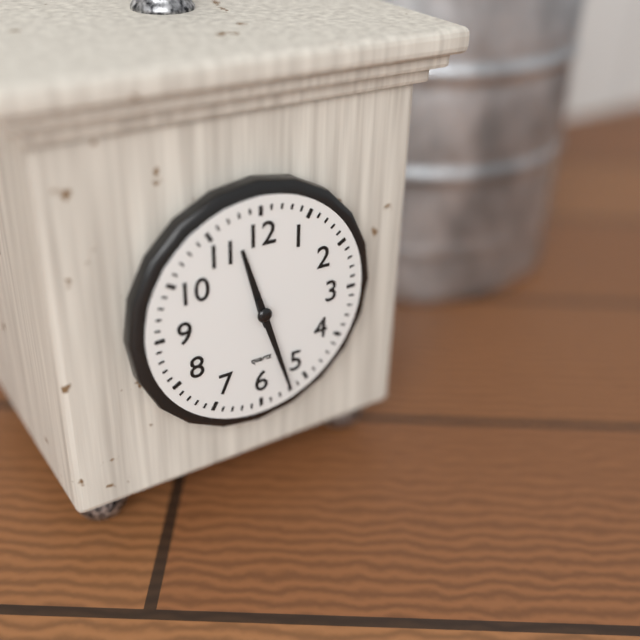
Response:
11.27
